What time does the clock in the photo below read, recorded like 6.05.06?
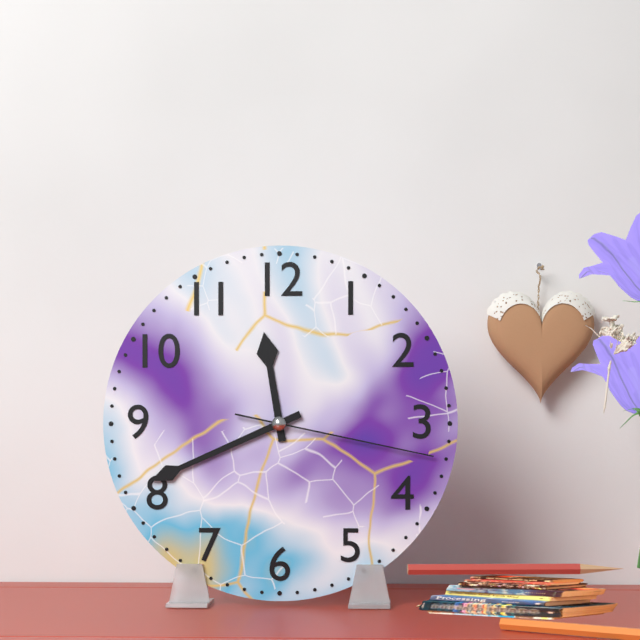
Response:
11.41.17
